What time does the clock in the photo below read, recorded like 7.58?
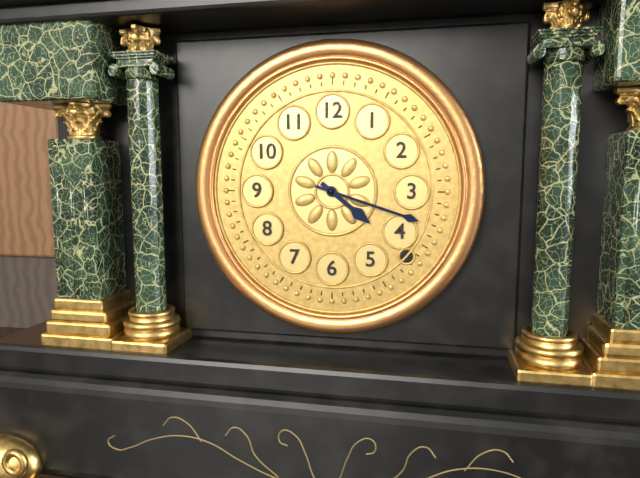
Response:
4.18
